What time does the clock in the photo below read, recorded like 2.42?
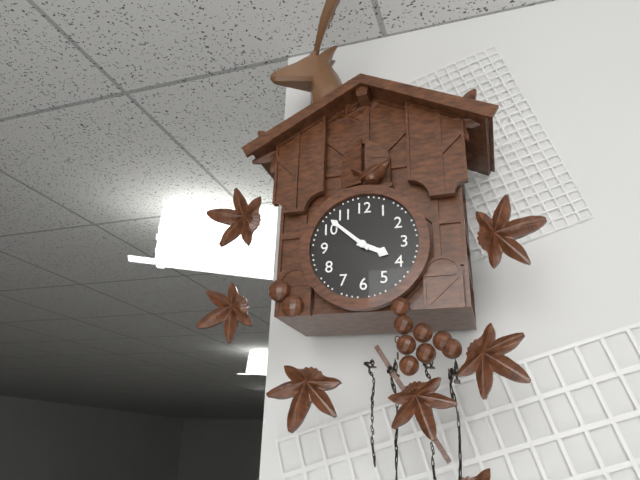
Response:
3.52
